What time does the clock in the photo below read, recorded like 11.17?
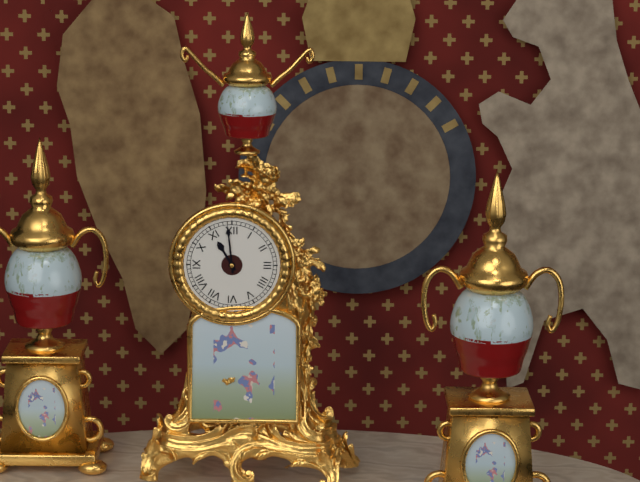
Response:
10.59
